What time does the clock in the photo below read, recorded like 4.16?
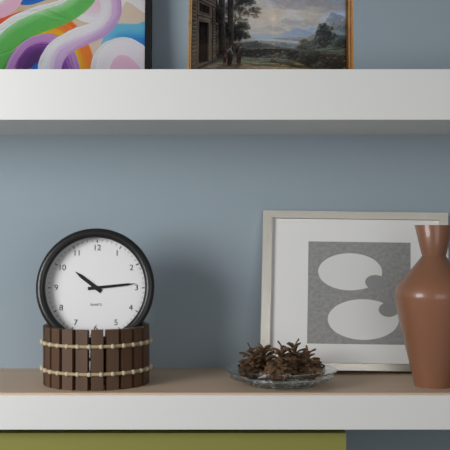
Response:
10.14
